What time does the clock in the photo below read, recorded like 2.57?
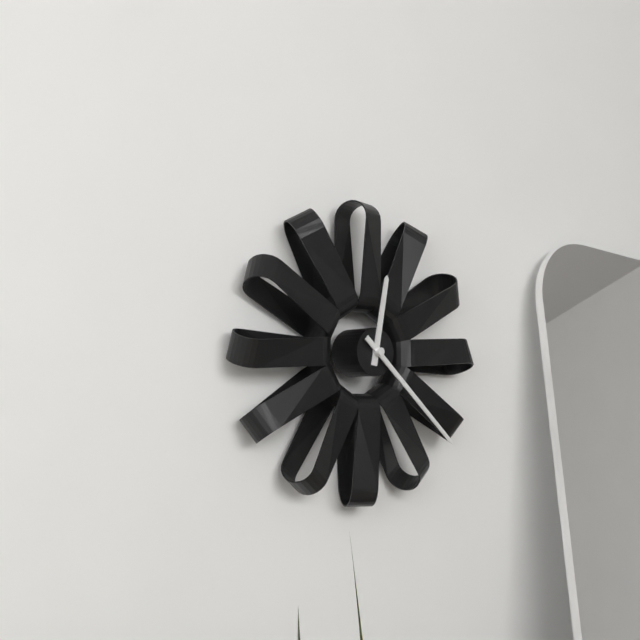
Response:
12.22
